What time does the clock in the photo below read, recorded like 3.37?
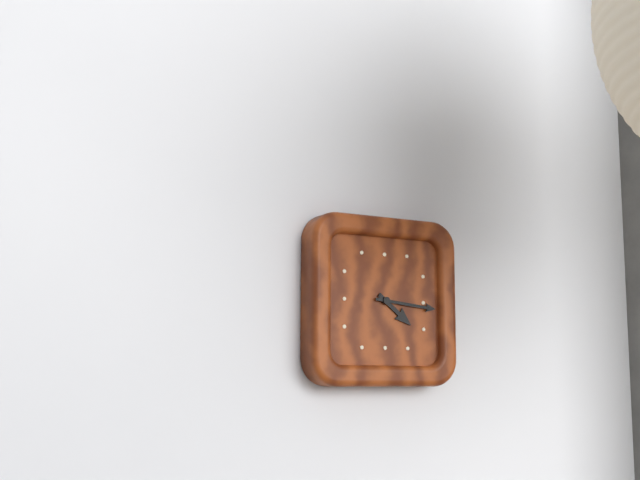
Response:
4.16
